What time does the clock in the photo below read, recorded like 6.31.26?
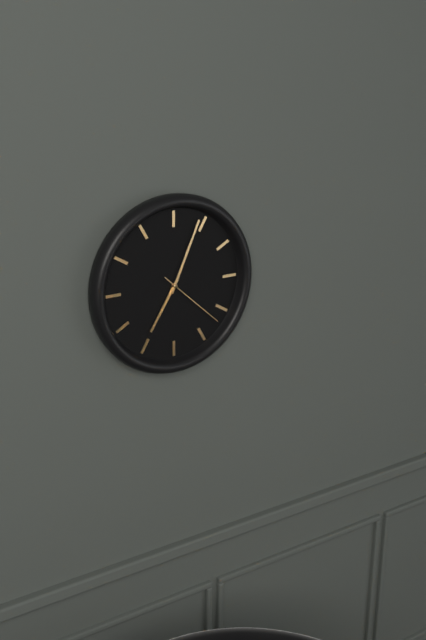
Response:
7.04.22
